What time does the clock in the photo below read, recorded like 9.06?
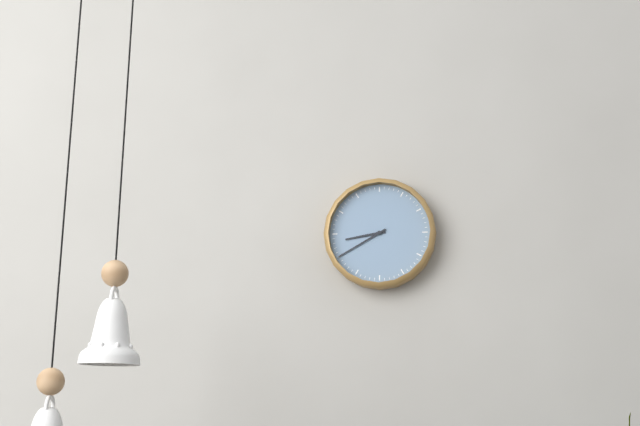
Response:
8.40
